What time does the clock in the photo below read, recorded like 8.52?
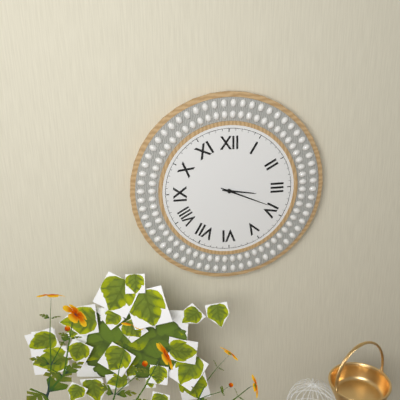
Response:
3.19
